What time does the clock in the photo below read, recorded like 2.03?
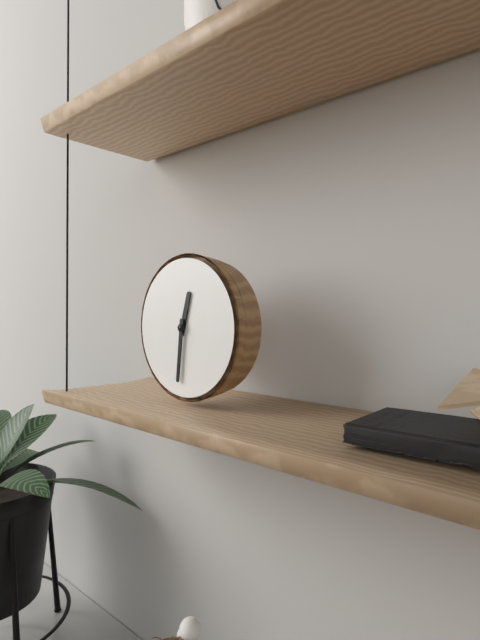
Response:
12.31
